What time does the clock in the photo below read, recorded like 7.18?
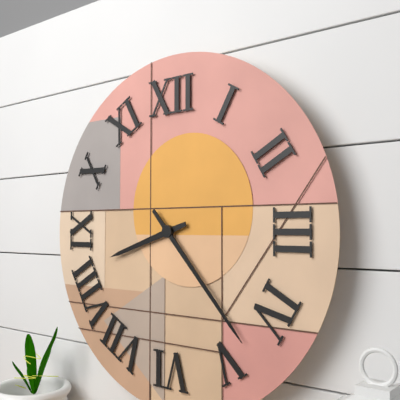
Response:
8.23
